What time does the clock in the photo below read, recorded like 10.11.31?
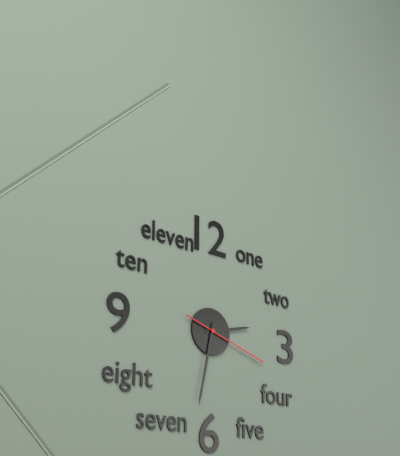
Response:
2.32.18
